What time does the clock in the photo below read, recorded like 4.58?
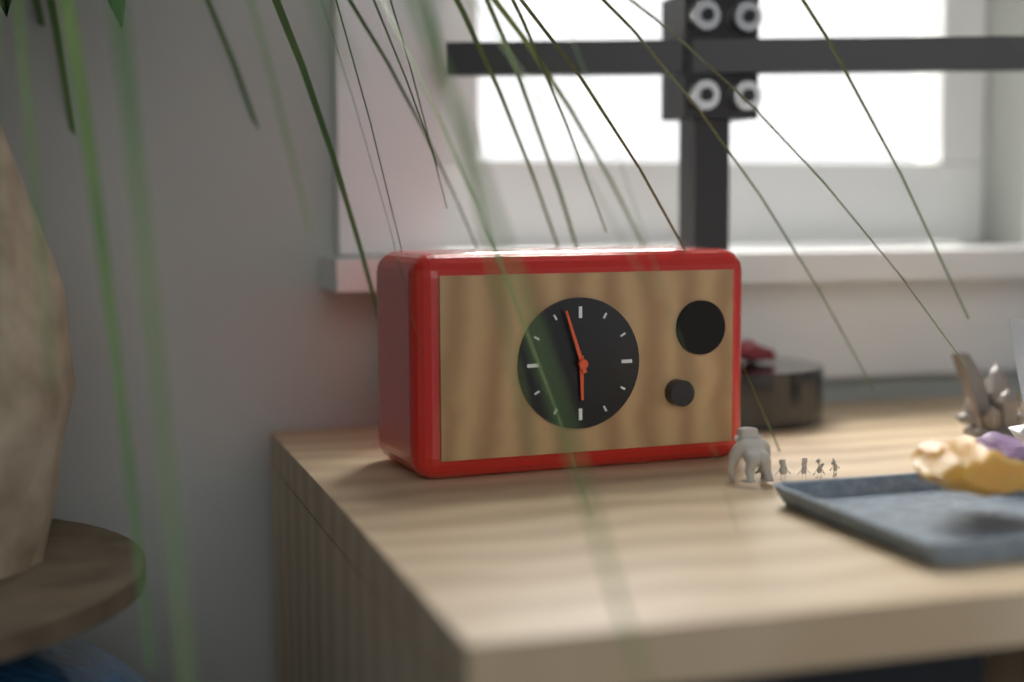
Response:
5.57
